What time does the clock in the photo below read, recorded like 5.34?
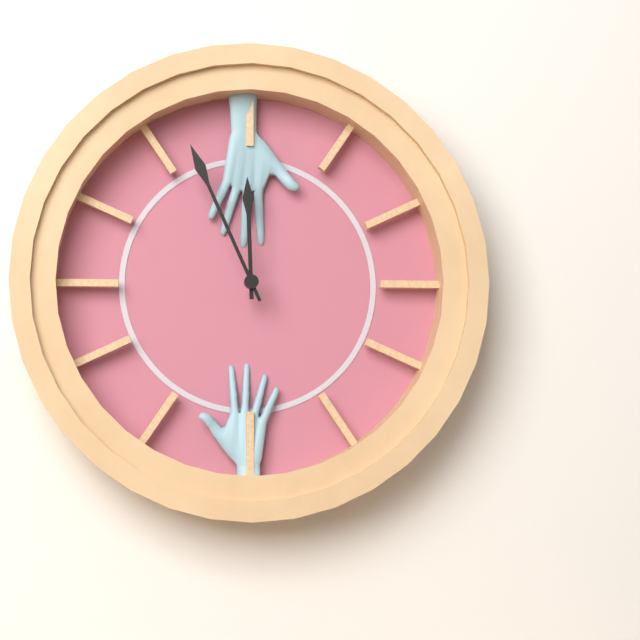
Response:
11.56
